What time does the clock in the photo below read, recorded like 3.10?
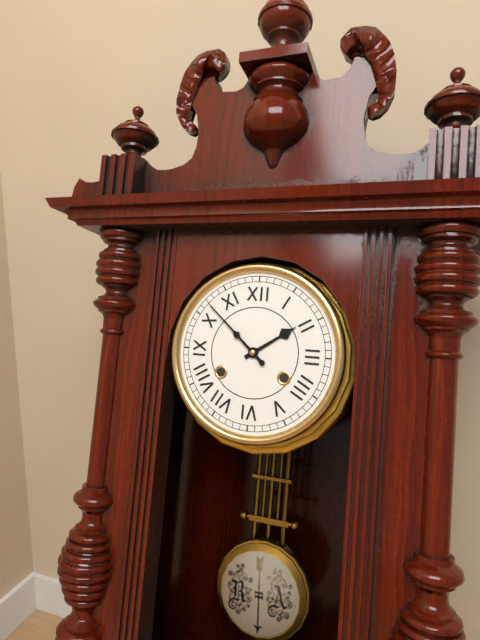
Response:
1.52
